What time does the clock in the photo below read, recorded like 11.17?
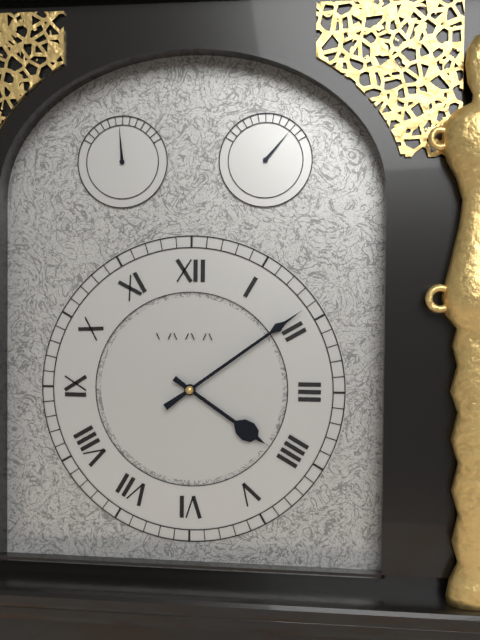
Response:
4.09
